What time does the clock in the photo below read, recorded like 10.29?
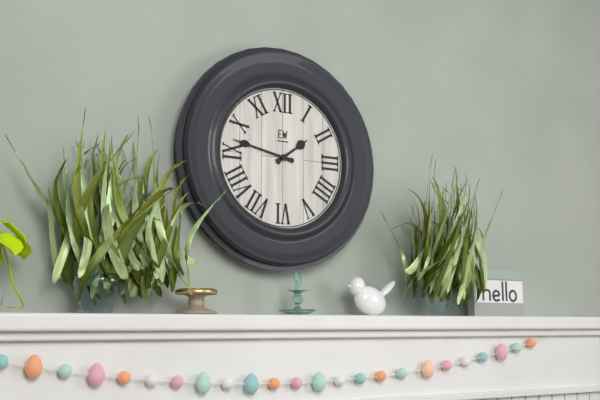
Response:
1.47
